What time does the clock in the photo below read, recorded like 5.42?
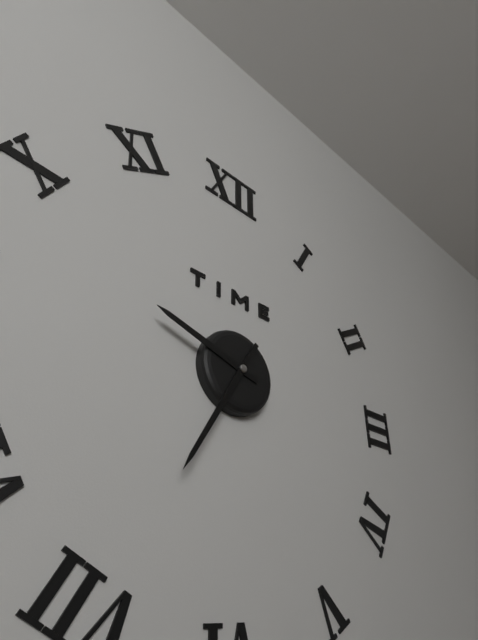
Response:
9.35
